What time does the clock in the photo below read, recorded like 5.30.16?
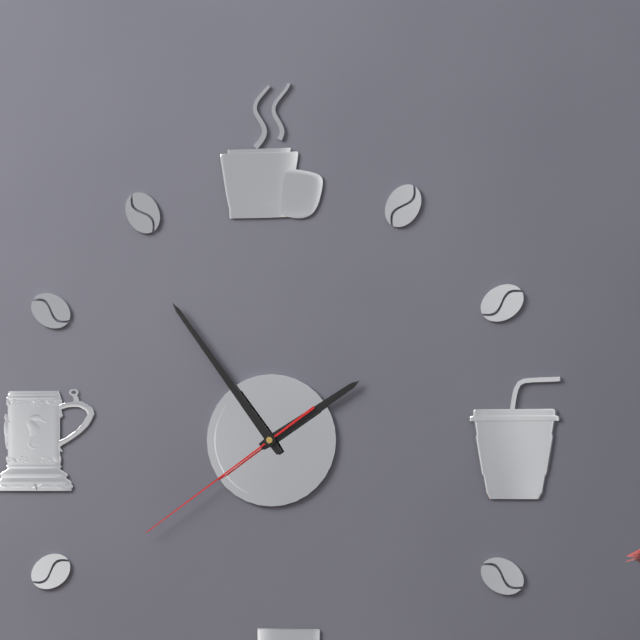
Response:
1.54.39
